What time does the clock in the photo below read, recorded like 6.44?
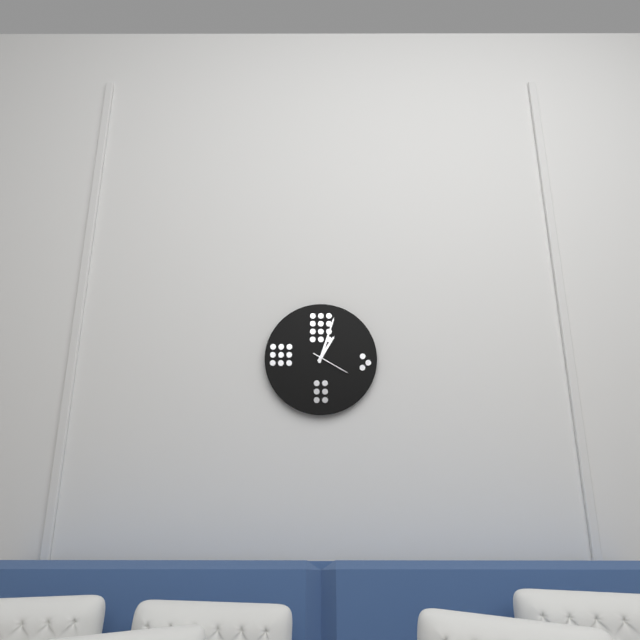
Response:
1.03
